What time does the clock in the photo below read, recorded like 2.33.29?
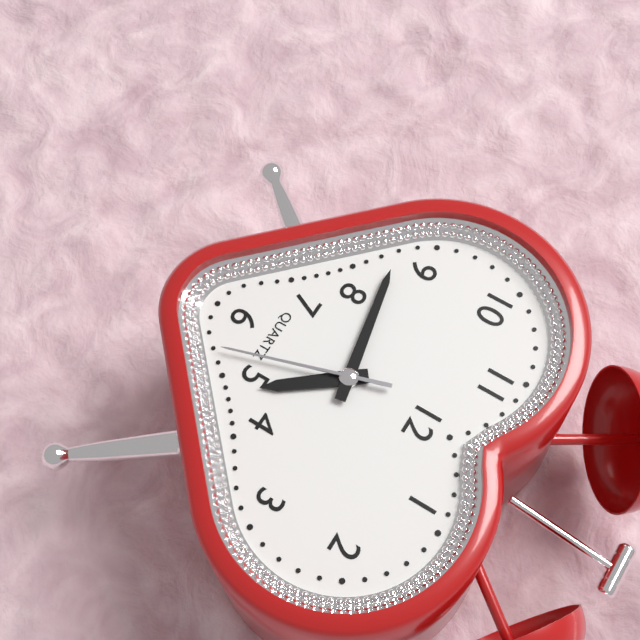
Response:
4.43.27
